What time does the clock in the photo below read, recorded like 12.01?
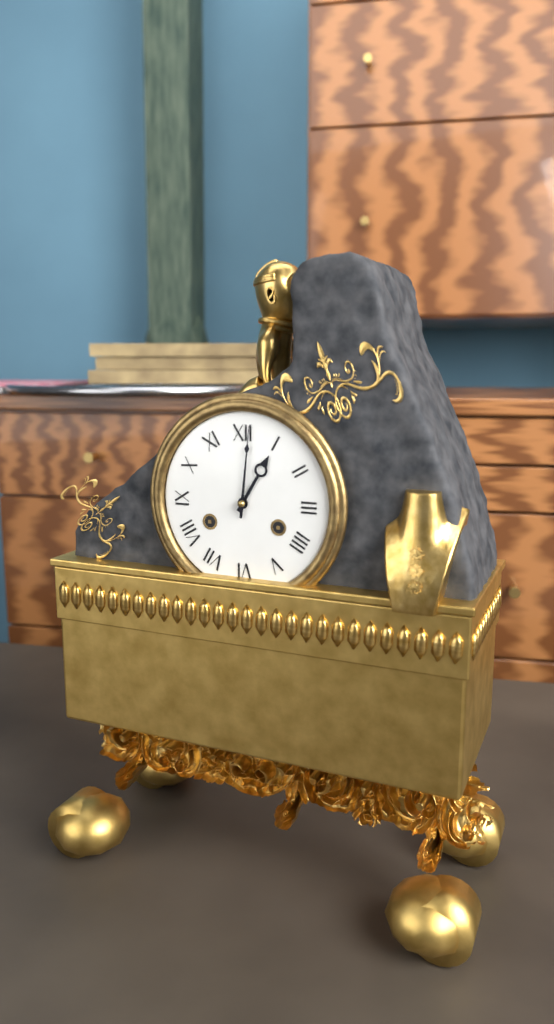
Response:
1.01
